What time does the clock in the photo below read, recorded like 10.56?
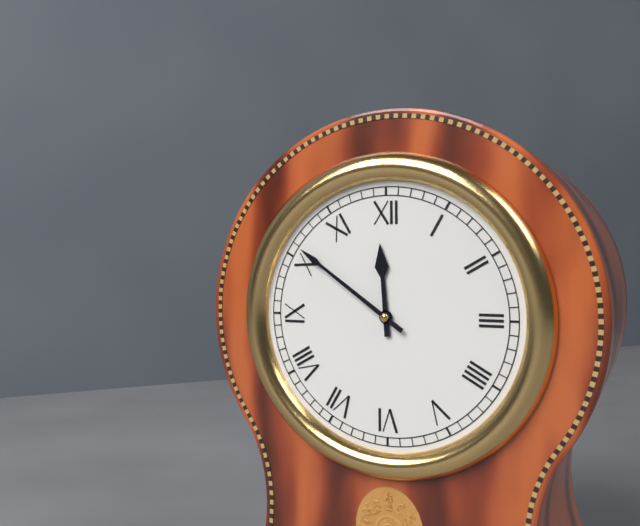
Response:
11.51
